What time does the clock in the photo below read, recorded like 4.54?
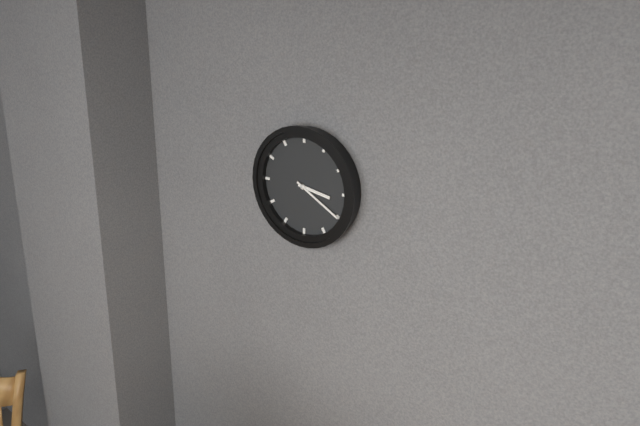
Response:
3.20
